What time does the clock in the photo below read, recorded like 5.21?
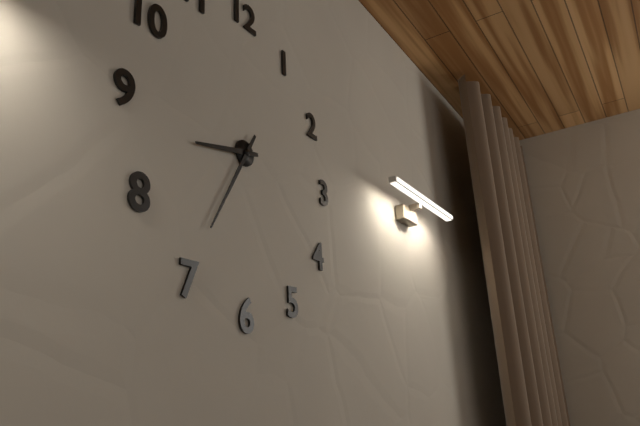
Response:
8.35
